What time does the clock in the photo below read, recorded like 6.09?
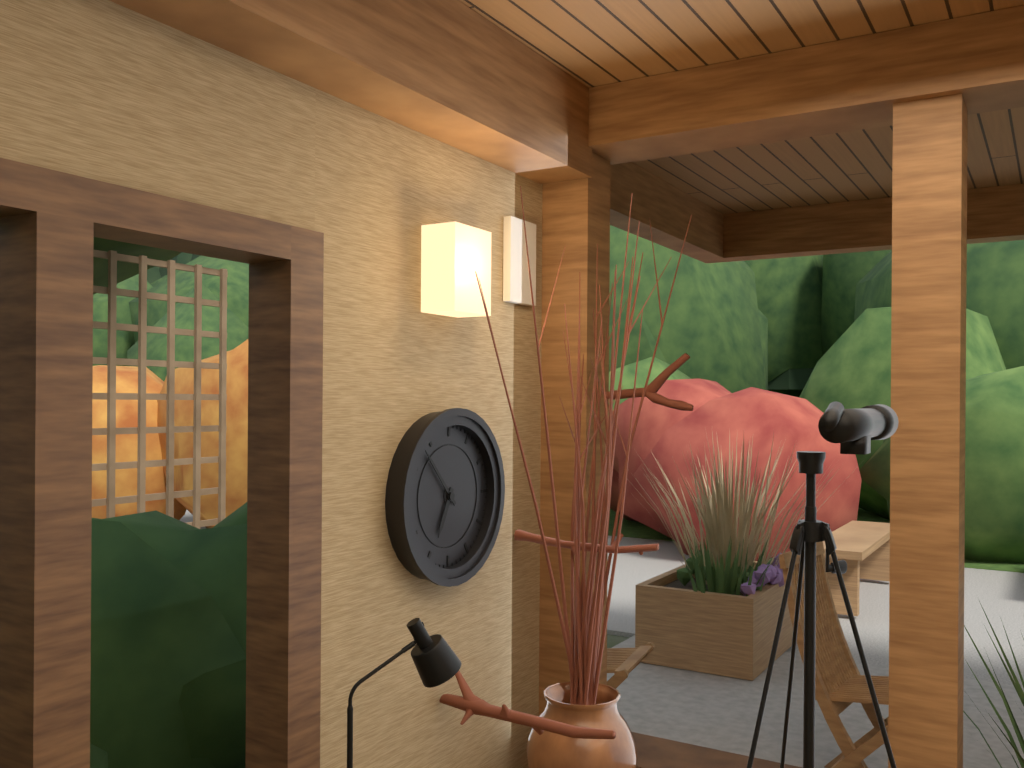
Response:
6.53
